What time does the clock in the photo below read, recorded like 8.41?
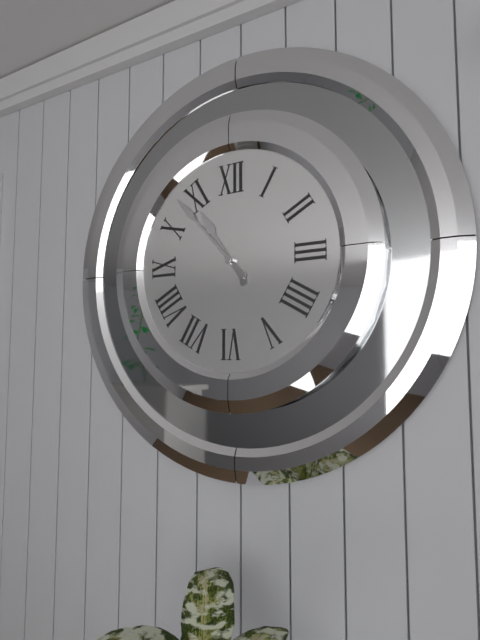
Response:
10.53
